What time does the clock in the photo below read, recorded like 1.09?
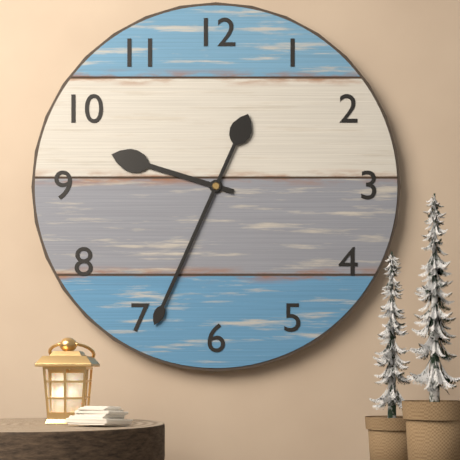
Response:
9.34
